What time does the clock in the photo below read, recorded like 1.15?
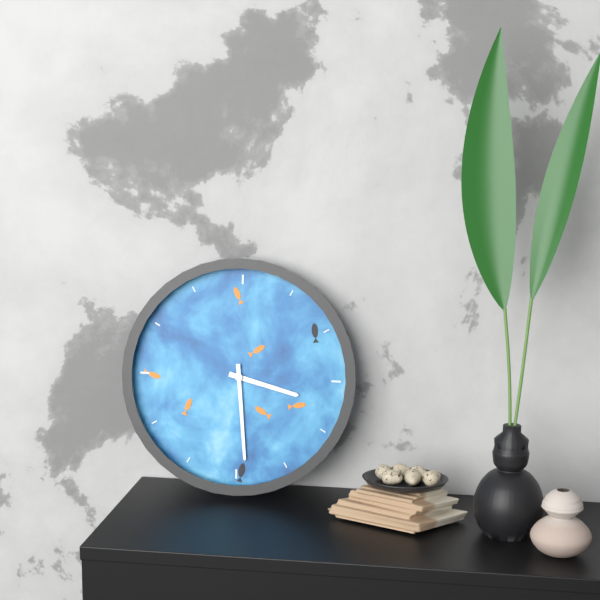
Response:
3.29
